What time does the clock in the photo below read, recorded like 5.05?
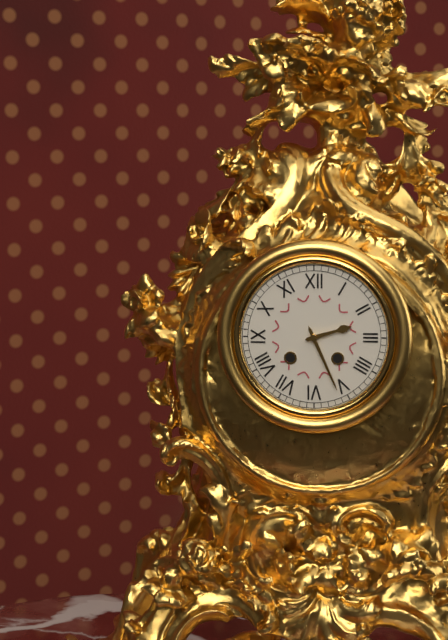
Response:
2.26
